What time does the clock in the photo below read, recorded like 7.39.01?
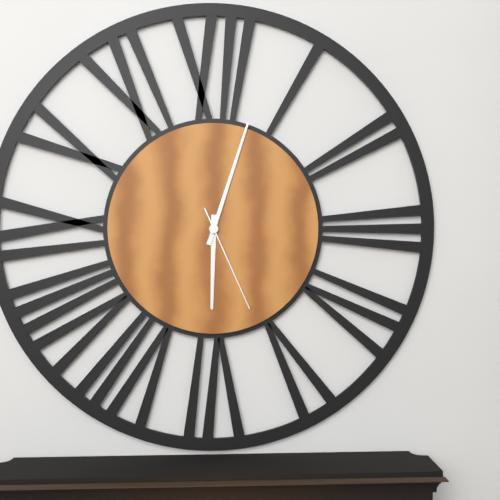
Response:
6.03.26
